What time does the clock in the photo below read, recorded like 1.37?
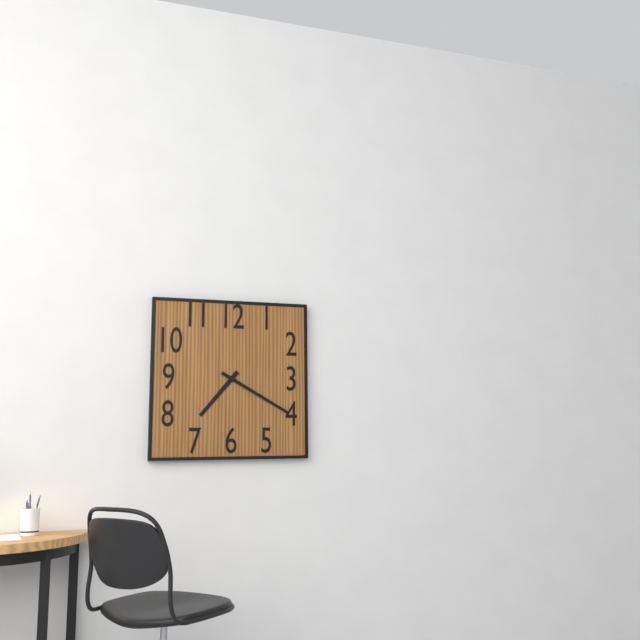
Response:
7.20
